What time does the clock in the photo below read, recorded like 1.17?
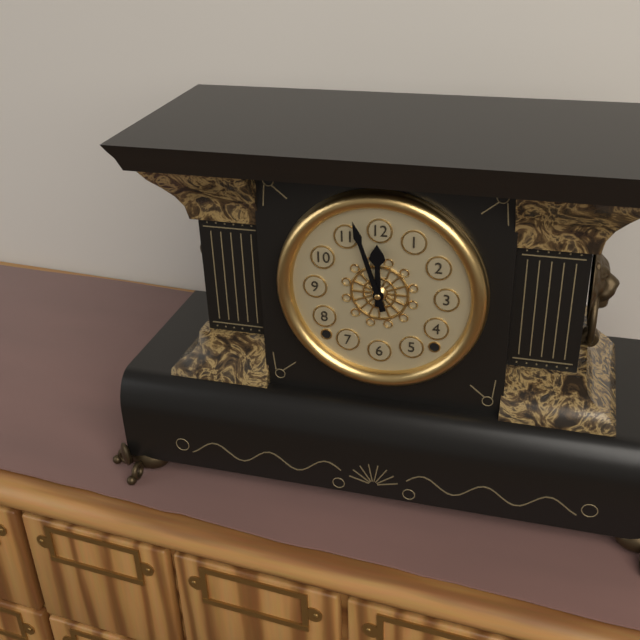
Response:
11.57
